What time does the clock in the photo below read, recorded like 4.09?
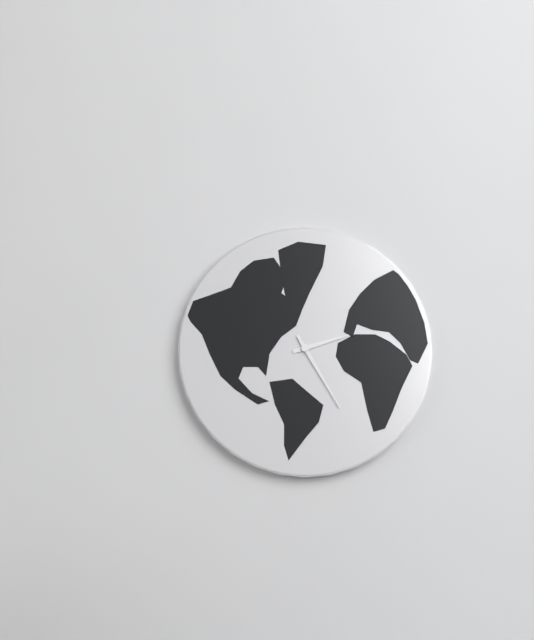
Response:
2.25
